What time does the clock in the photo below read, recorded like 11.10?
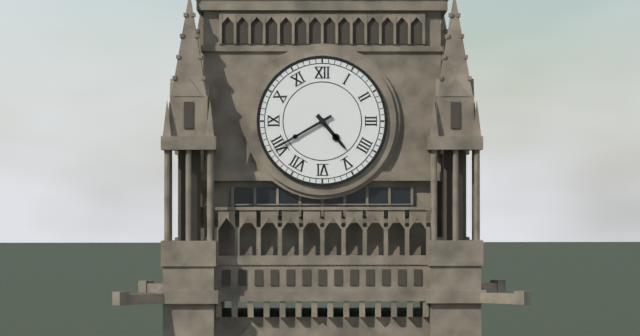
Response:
4.40
